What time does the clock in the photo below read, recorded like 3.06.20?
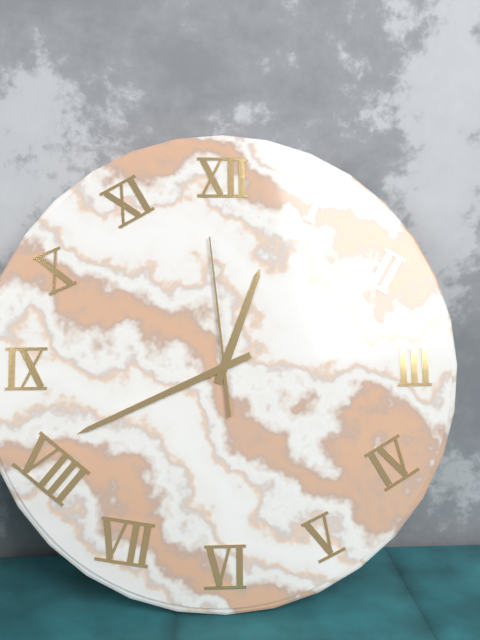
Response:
12.41.59
